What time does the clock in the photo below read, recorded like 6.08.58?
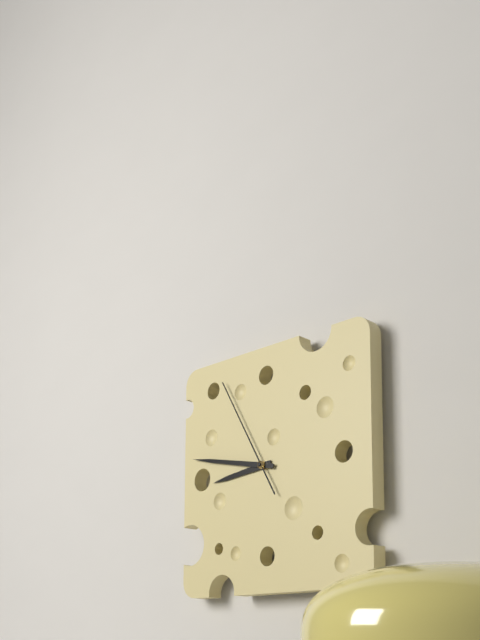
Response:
8.47.55
